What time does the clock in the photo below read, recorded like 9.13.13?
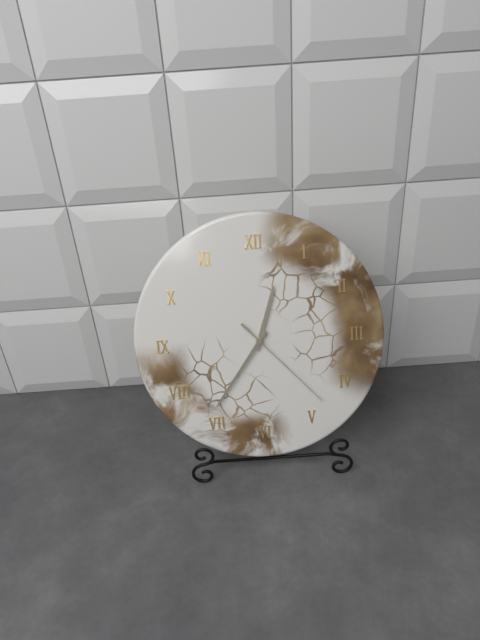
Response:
12.36.23
